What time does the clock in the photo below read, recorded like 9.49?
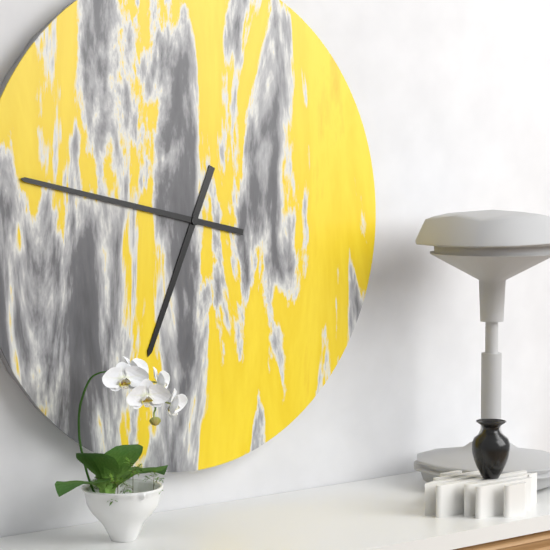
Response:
6.47
